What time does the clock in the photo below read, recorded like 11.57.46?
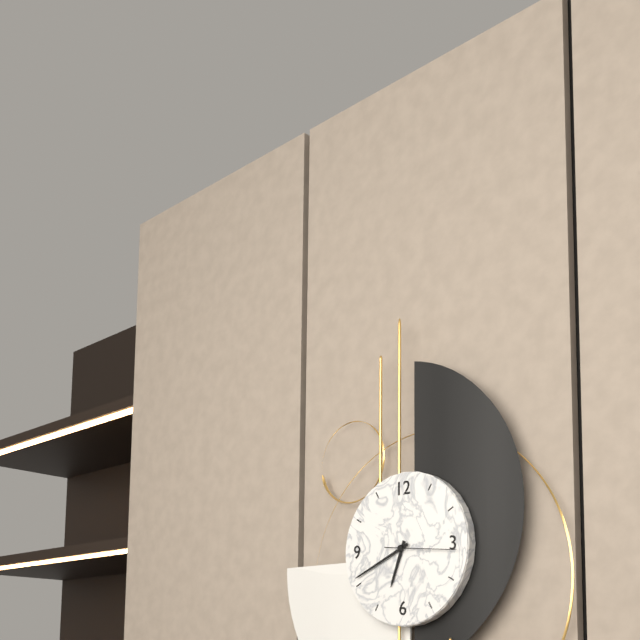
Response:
6.41.16
